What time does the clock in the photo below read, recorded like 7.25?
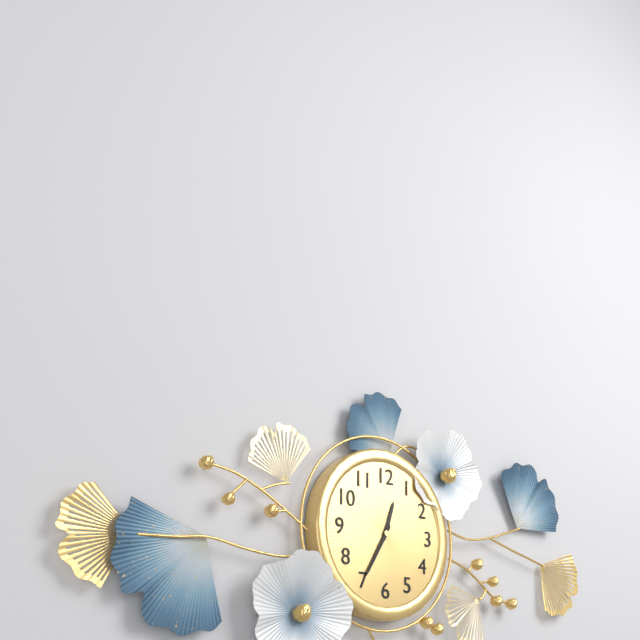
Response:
12.35
